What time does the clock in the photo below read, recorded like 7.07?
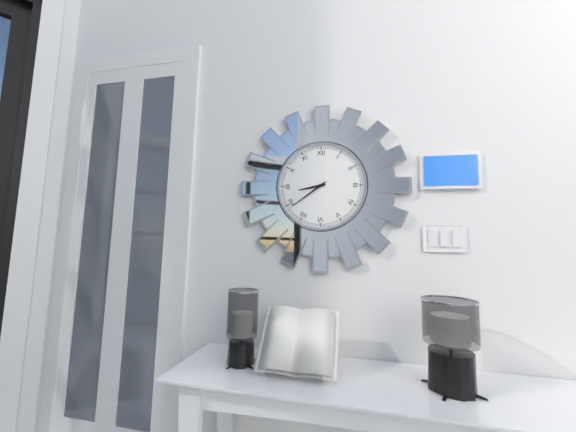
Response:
8.39
